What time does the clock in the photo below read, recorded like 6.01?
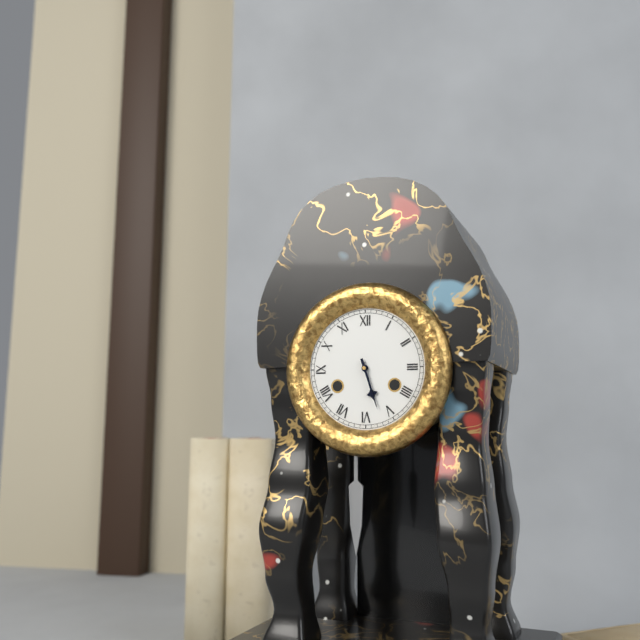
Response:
5.27
